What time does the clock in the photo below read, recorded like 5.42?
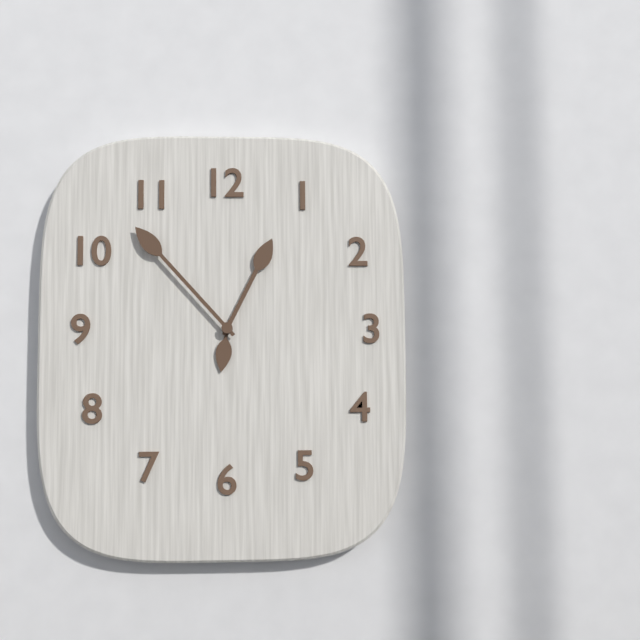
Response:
12.53
